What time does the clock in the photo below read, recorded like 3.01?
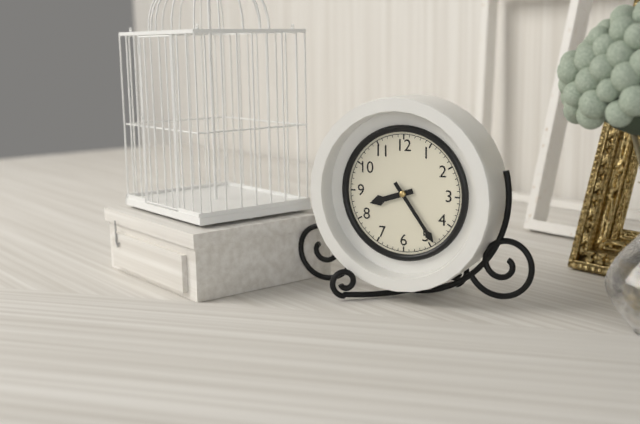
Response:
8.24
